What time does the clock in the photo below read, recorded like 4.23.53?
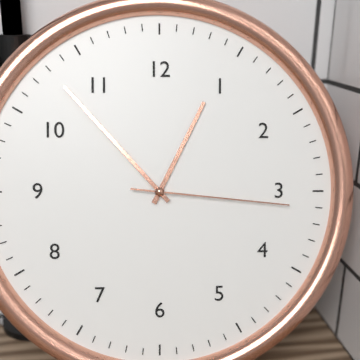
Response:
12.53.16
